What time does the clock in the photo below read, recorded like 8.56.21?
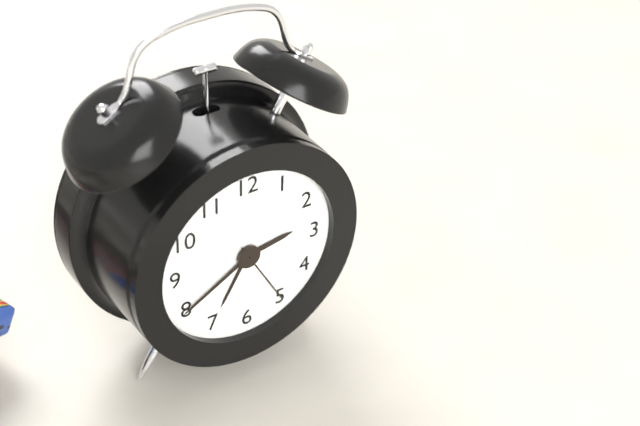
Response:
2.40.25
